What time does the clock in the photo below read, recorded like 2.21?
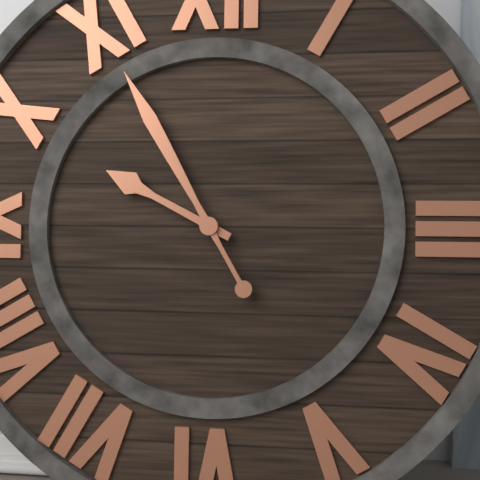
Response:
9.55
